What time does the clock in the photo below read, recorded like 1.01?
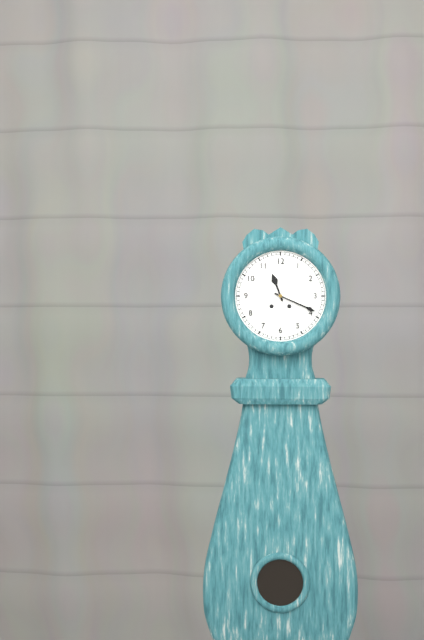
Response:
11.19
